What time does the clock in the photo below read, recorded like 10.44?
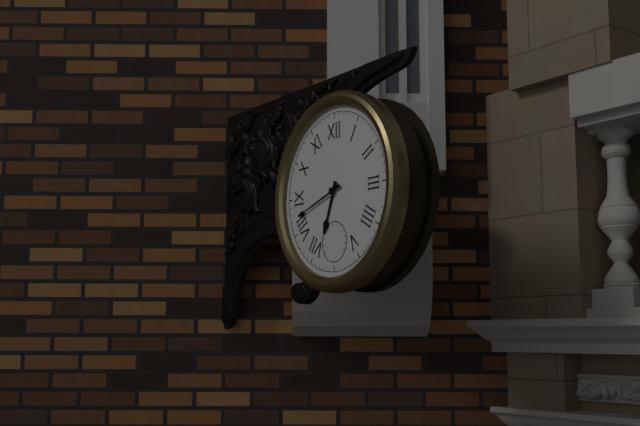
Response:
6.42
